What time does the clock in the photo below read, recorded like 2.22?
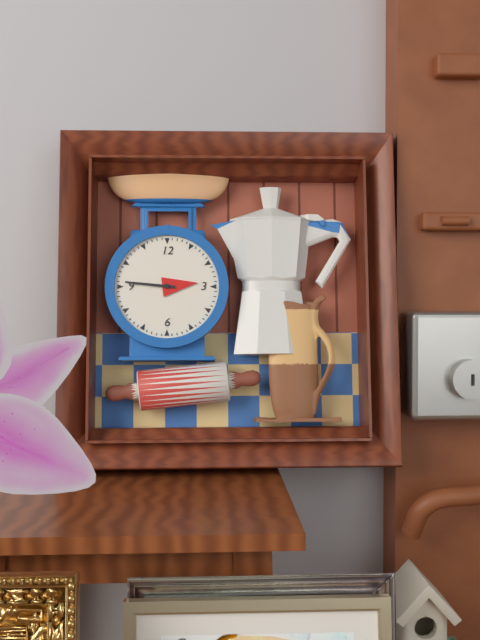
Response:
2.46
